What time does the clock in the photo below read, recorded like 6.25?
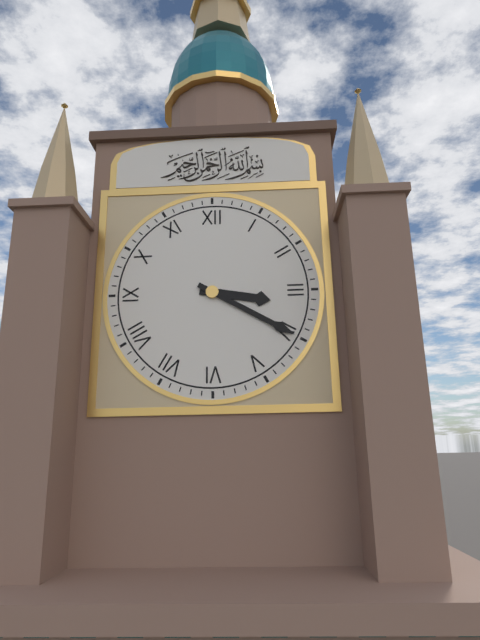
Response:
3.20
